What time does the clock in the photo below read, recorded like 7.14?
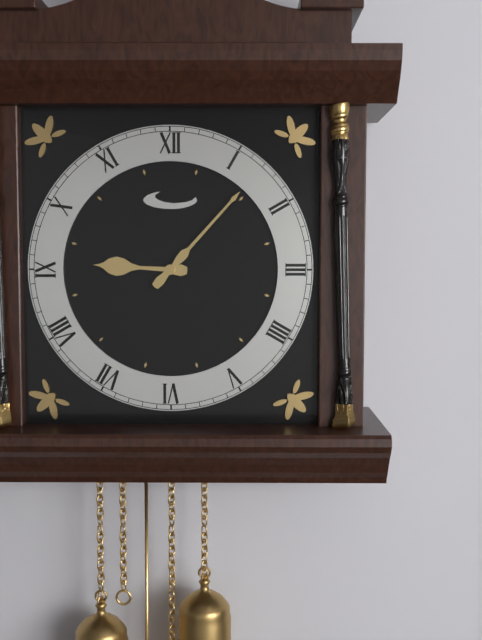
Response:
9.07
